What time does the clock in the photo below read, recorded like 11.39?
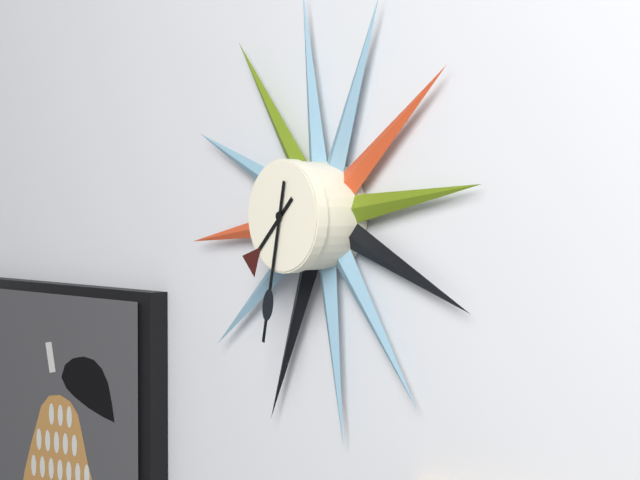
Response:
7.32
